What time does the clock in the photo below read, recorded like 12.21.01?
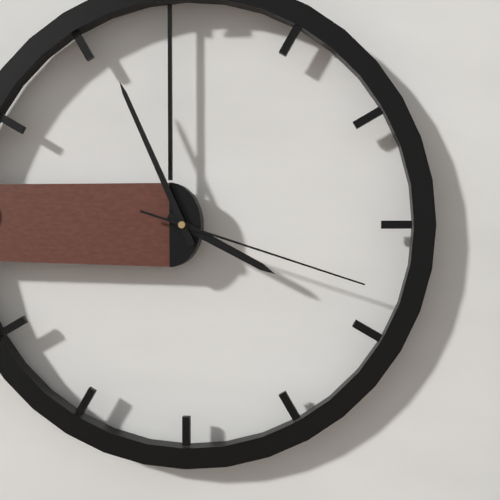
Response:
3.56.18
